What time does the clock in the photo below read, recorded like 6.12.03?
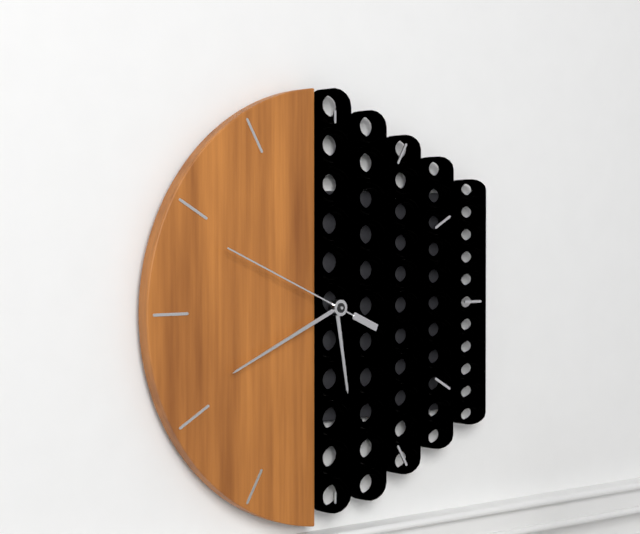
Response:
5.41.49
